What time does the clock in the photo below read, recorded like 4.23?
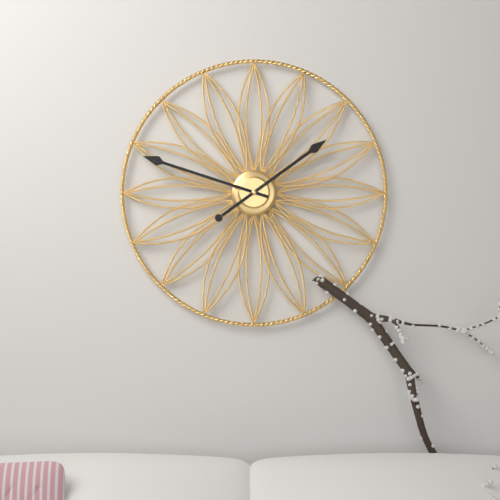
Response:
1.48
